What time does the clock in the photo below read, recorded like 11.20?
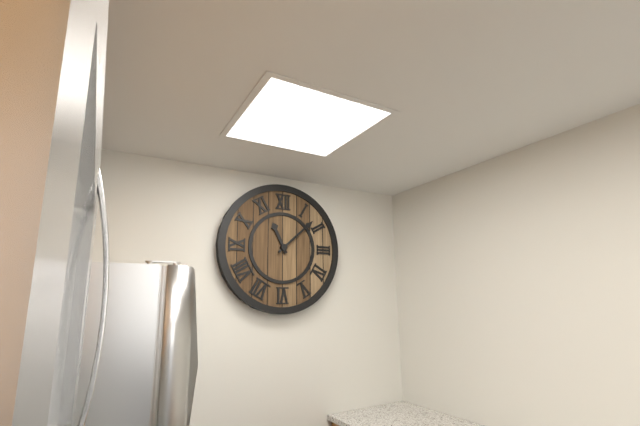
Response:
11.08
